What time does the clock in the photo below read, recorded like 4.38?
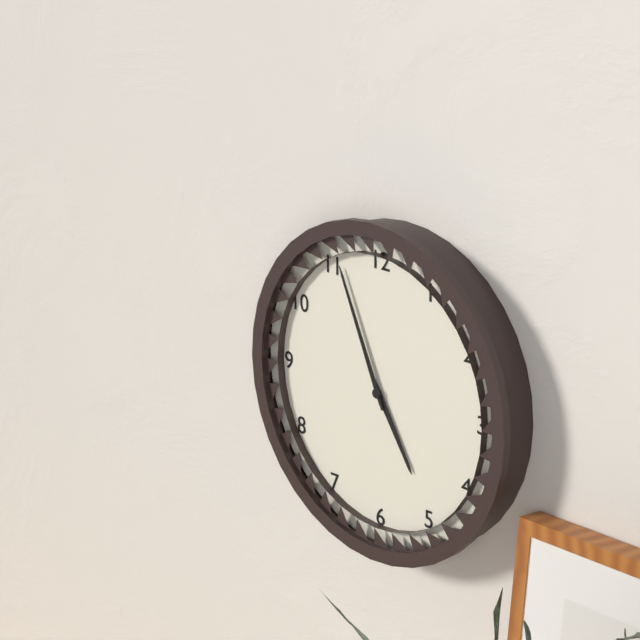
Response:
4.56
